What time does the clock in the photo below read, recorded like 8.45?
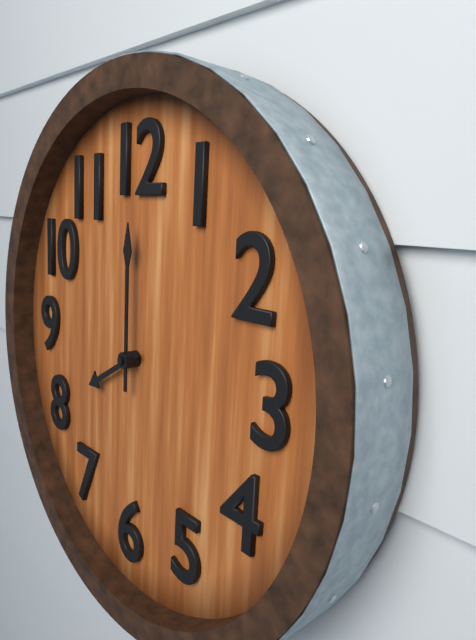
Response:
8.00
